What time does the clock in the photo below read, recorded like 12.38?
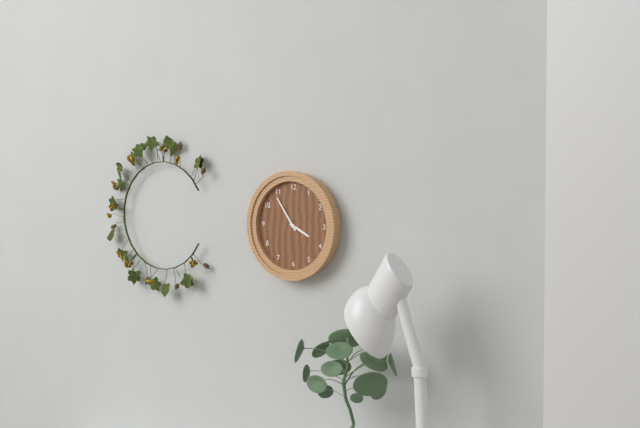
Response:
3.54
